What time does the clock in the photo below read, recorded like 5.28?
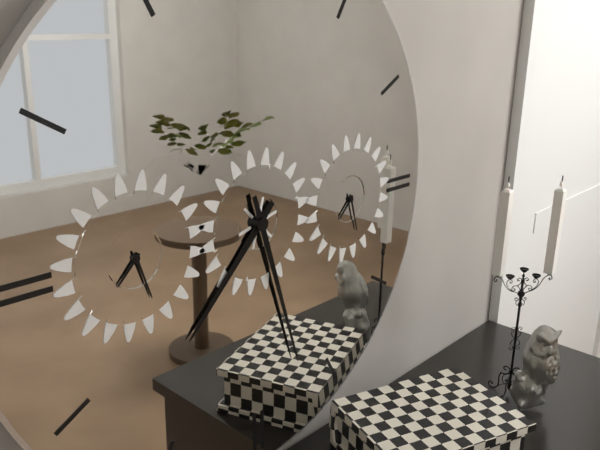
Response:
7.27
